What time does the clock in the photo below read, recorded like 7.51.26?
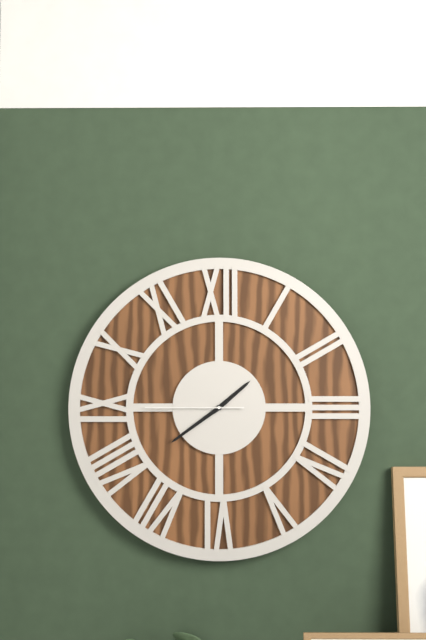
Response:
1.39.45
